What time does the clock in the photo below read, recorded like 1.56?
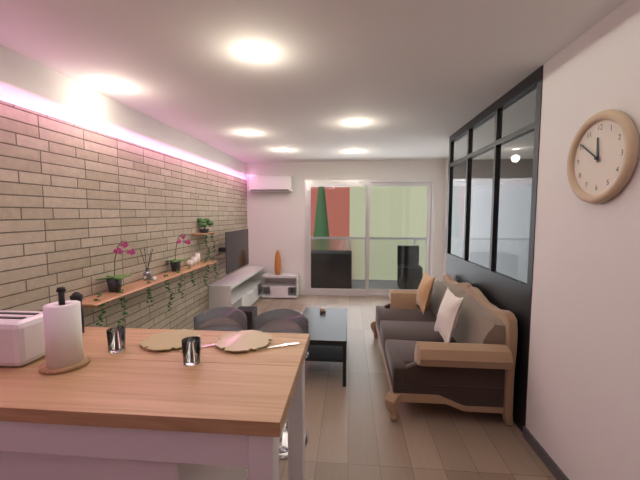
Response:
11.51
